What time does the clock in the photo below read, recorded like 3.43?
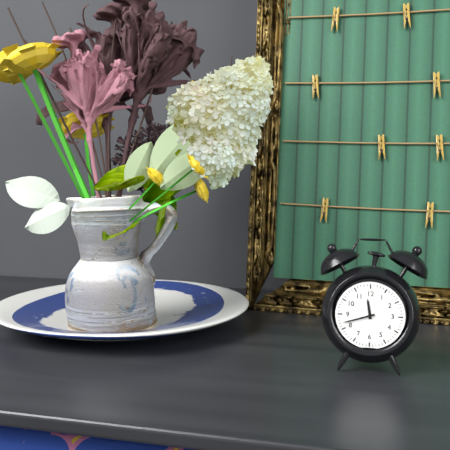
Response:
11.42
